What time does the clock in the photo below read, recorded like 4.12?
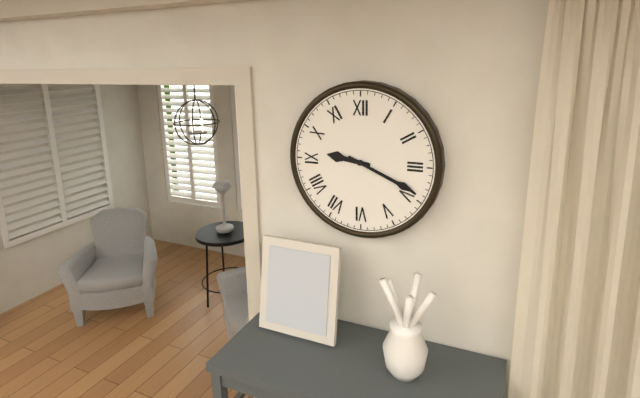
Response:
9.19
